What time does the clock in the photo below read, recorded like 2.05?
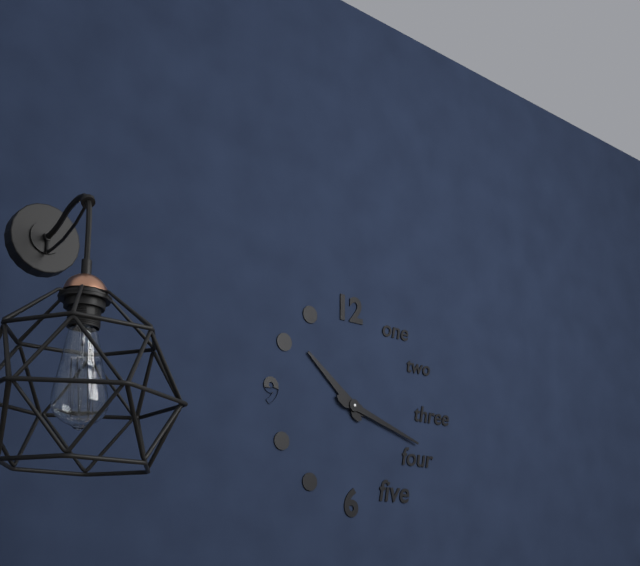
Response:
10.18
